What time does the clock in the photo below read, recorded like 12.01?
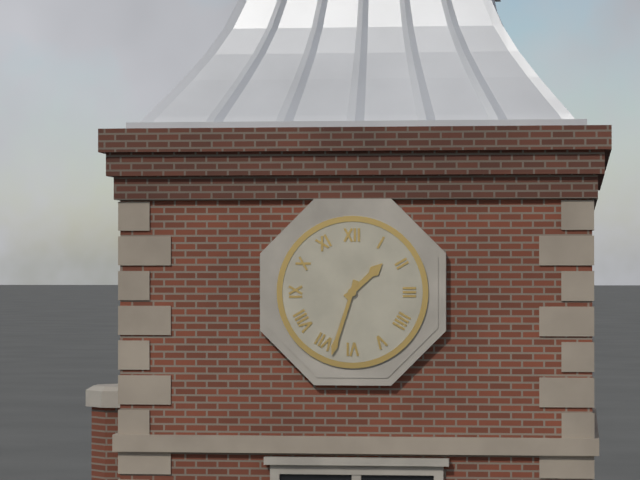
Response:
1.33
